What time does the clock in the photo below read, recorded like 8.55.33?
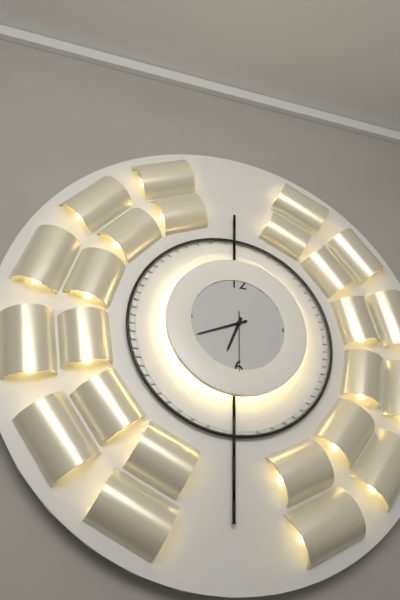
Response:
6.41.30
